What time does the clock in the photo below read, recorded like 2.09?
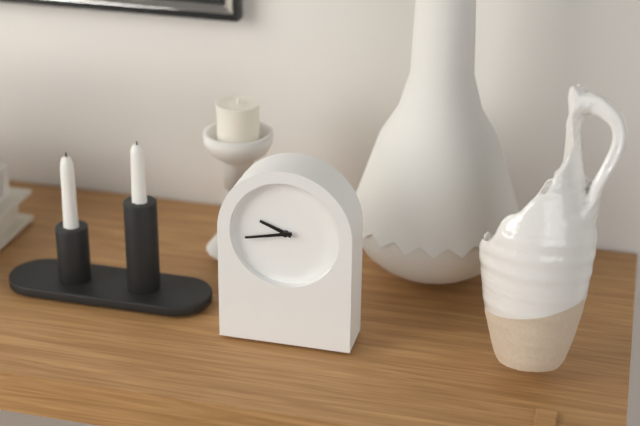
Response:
9.43
